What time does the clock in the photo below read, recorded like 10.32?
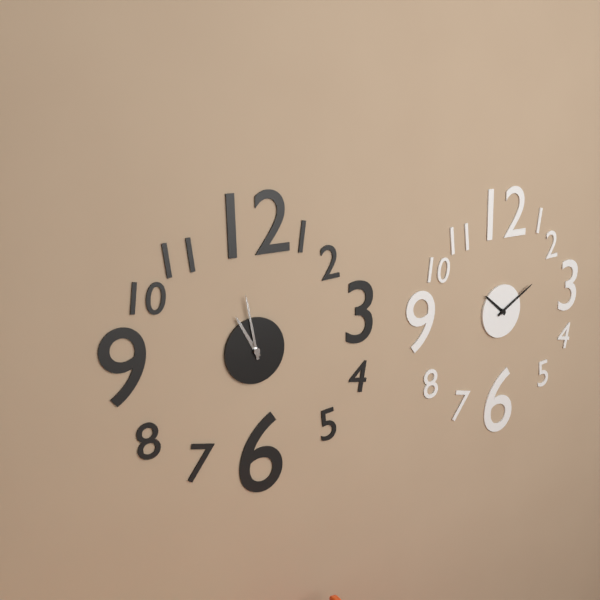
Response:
10.58
